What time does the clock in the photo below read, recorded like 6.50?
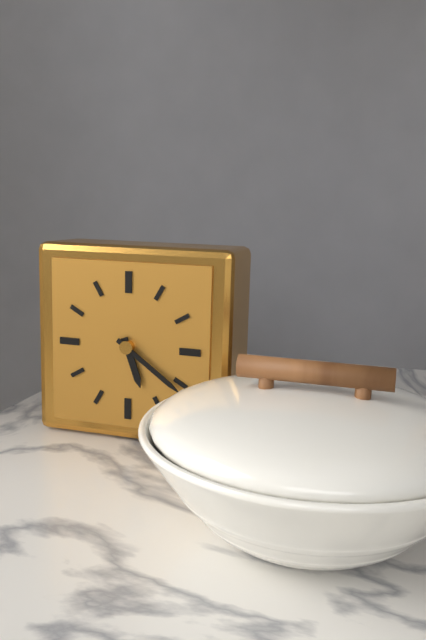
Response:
5.21
